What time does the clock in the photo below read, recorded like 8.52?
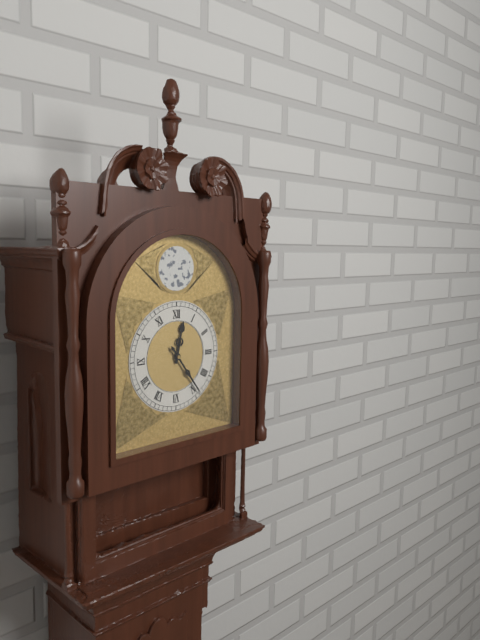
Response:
12.24
